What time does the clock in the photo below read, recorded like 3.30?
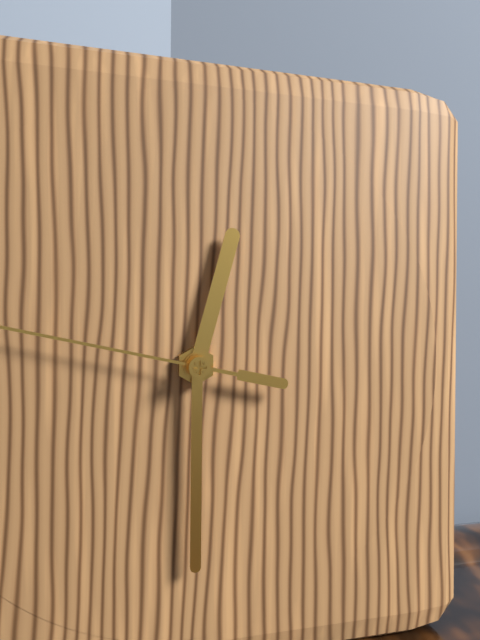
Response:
12.30
